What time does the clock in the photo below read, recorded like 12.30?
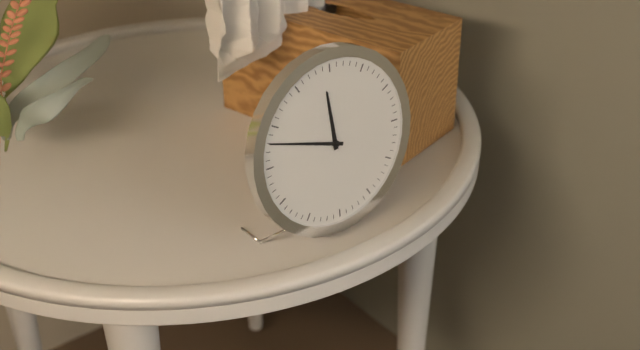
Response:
11.48
